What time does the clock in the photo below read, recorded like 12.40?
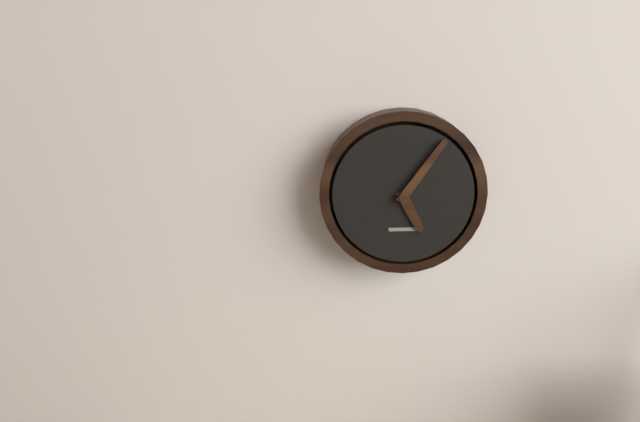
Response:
5.06
